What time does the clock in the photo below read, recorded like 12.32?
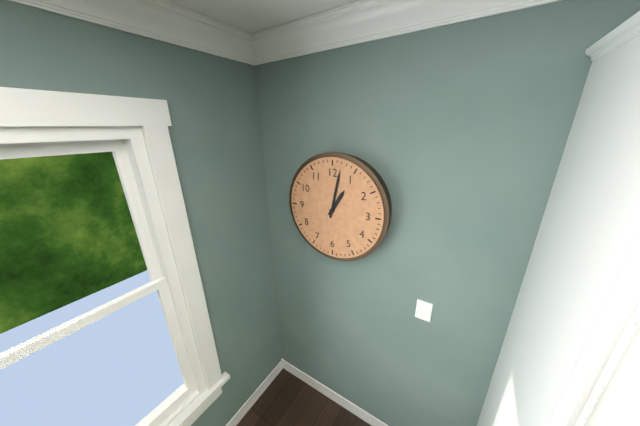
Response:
1.02
